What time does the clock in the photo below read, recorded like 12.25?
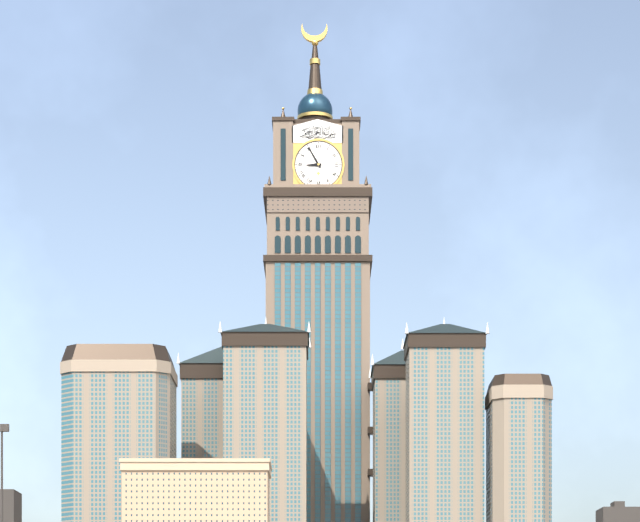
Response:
8.55
